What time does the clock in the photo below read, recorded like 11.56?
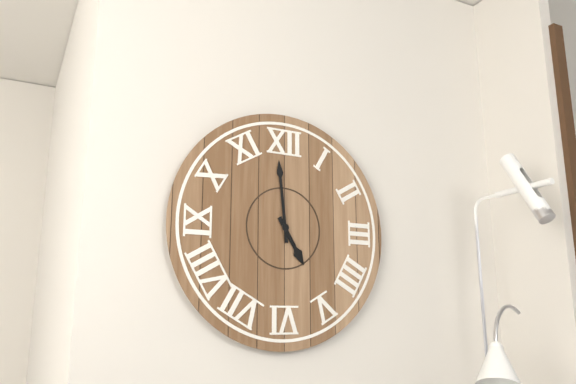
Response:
4.59
